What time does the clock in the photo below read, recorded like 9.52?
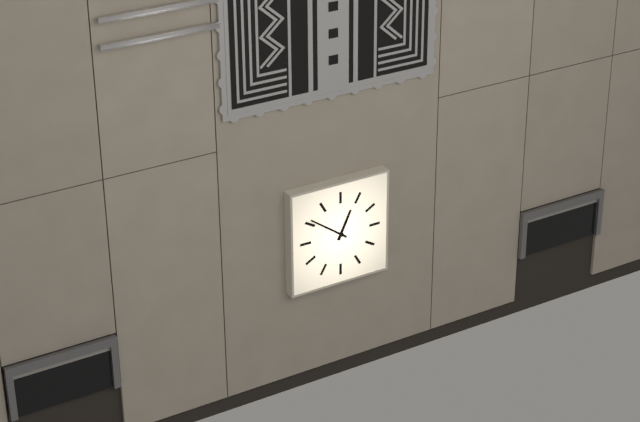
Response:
12.51
